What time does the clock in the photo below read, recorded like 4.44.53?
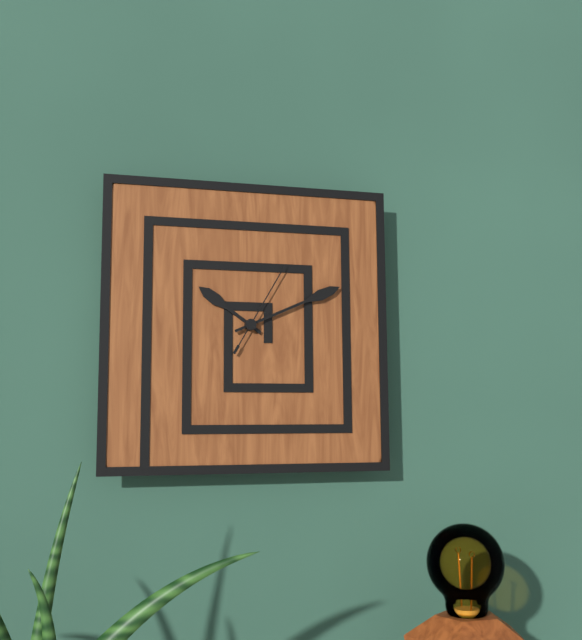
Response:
10.11.05
